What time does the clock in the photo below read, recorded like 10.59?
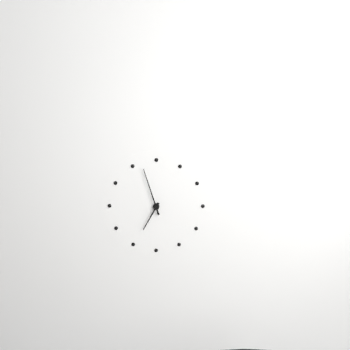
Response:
6.57
